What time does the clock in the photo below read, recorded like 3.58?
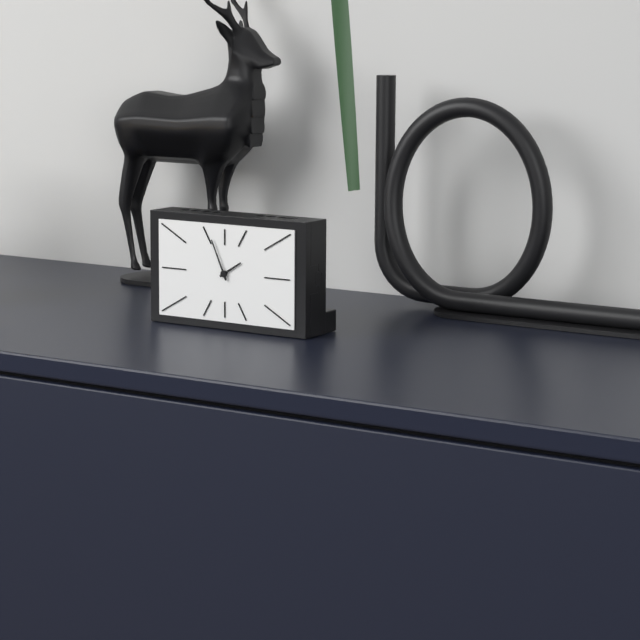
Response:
1.56
